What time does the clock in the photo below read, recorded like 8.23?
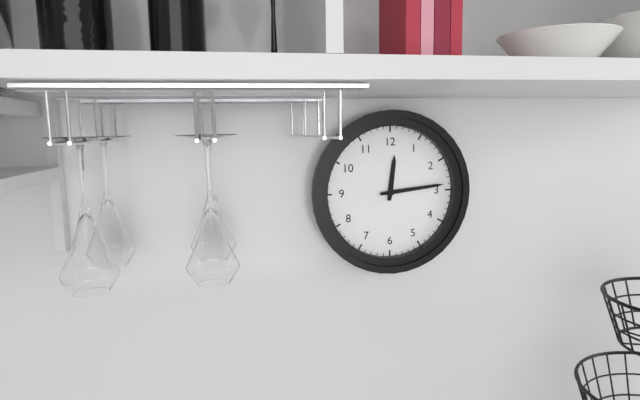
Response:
12.14
